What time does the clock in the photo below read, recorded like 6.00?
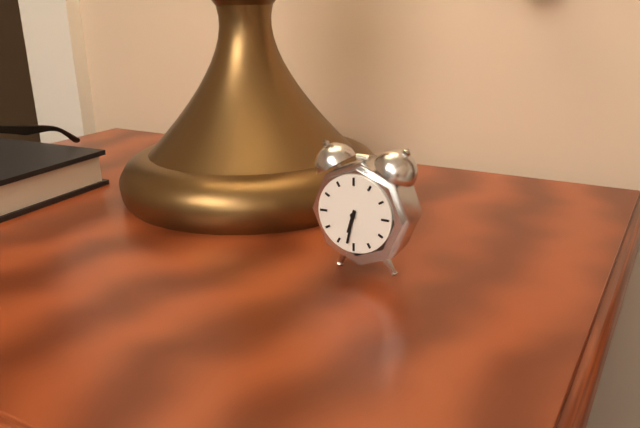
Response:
6.32
